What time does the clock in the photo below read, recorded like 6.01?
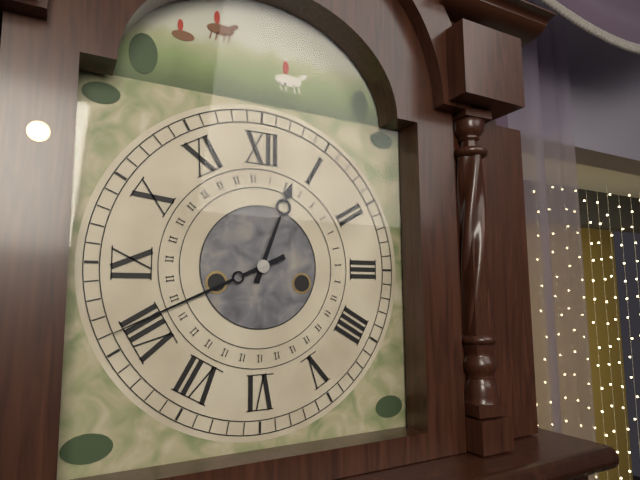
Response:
12.41
